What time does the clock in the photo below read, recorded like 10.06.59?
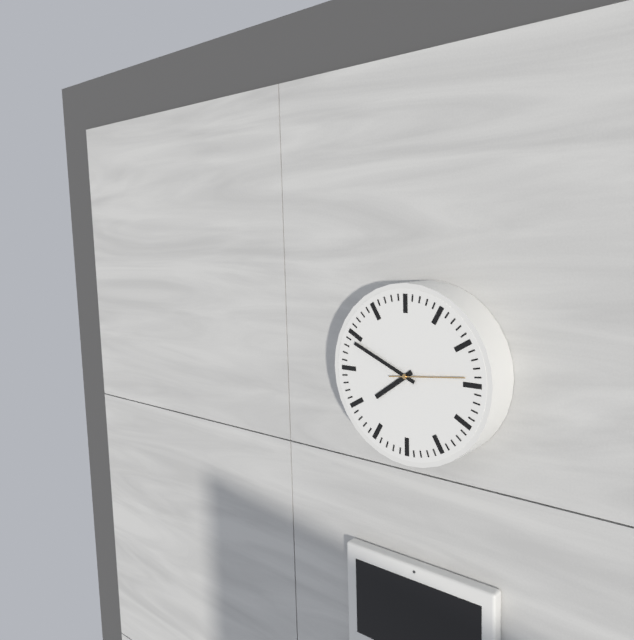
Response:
7.49.14
